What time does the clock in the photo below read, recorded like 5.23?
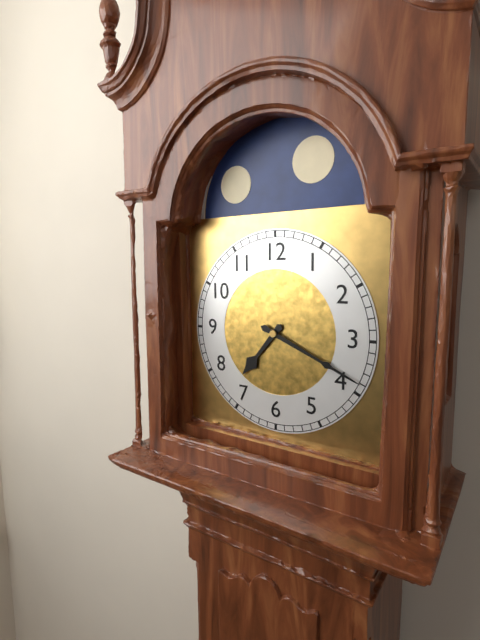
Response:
7.19
